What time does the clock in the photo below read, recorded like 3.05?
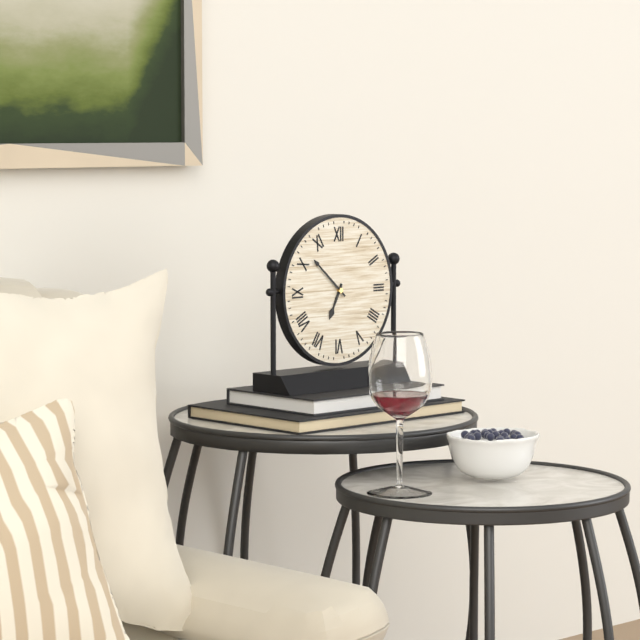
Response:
6.52
